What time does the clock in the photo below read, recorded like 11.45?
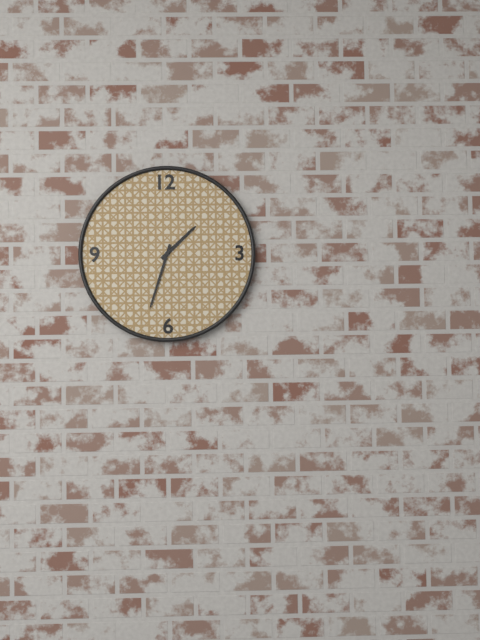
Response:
1.33
